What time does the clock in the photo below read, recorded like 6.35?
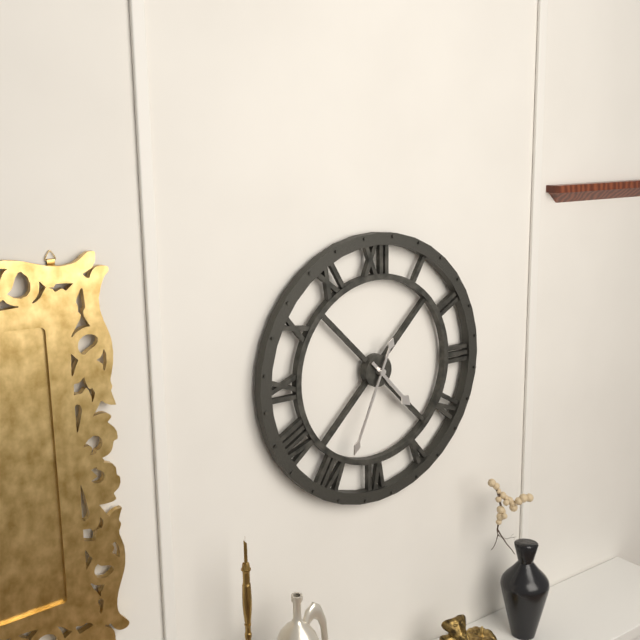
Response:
4.34
